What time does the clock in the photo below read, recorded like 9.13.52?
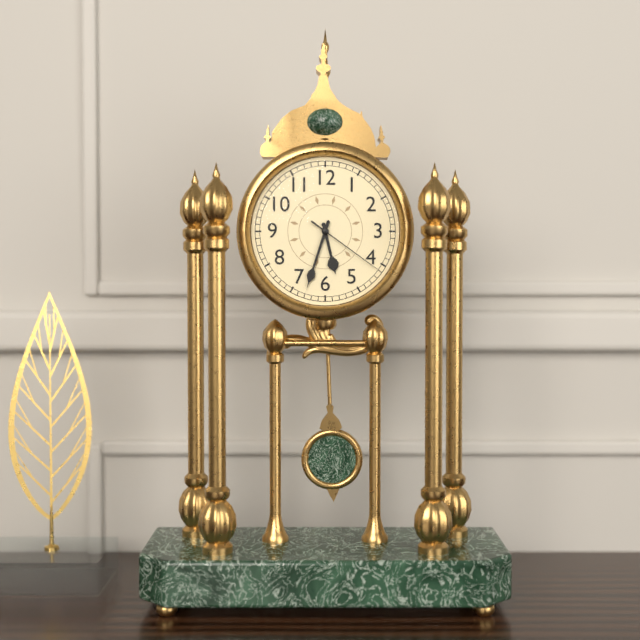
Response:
5.33.21
